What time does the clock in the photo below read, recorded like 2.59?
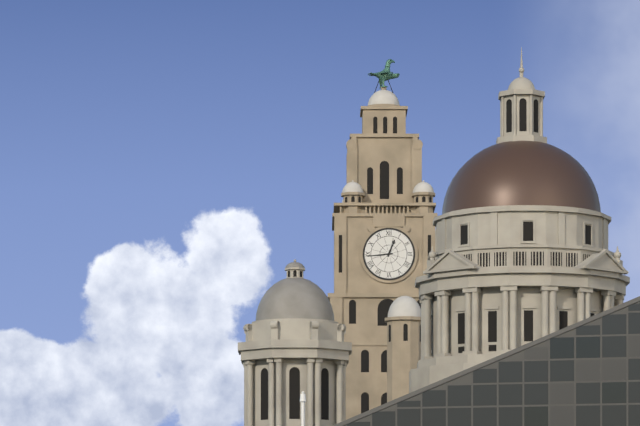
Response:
12.44
